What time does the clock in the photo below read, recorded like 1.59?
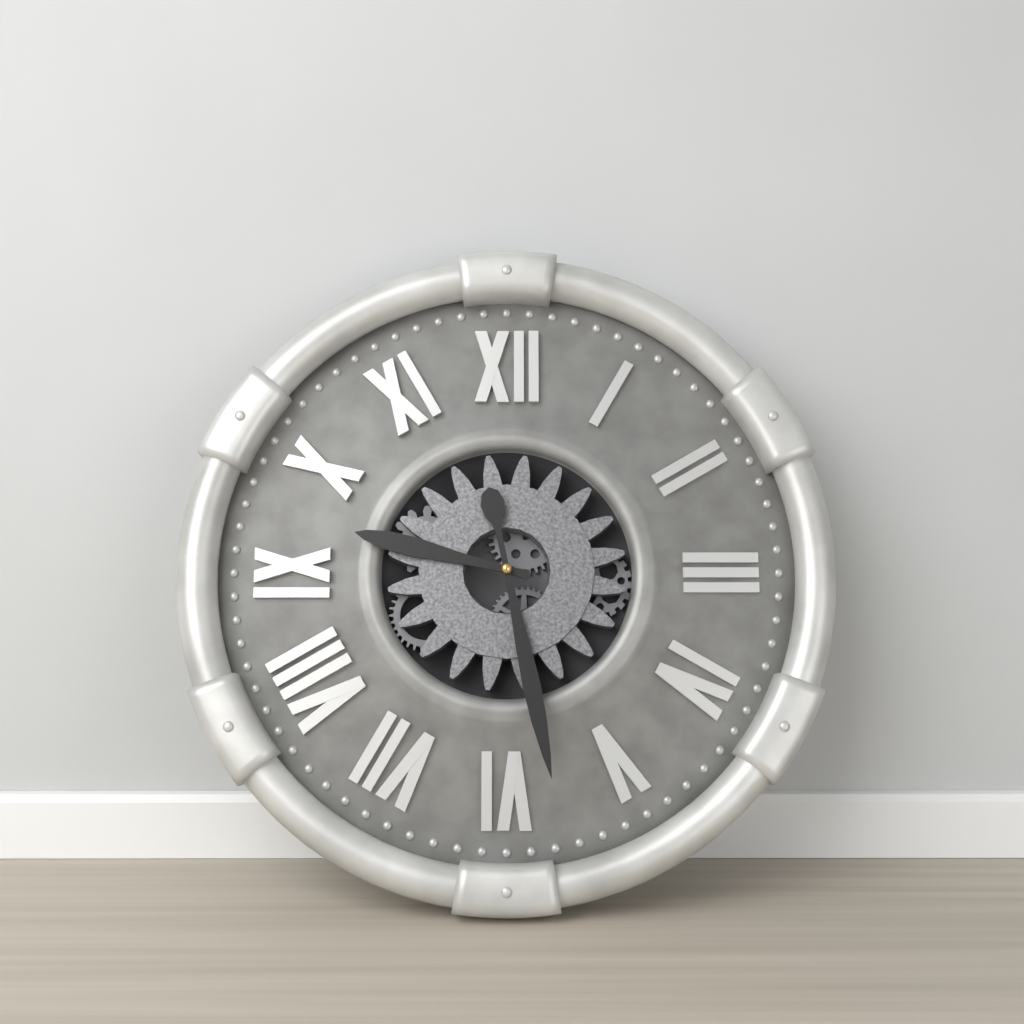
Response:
9.28
